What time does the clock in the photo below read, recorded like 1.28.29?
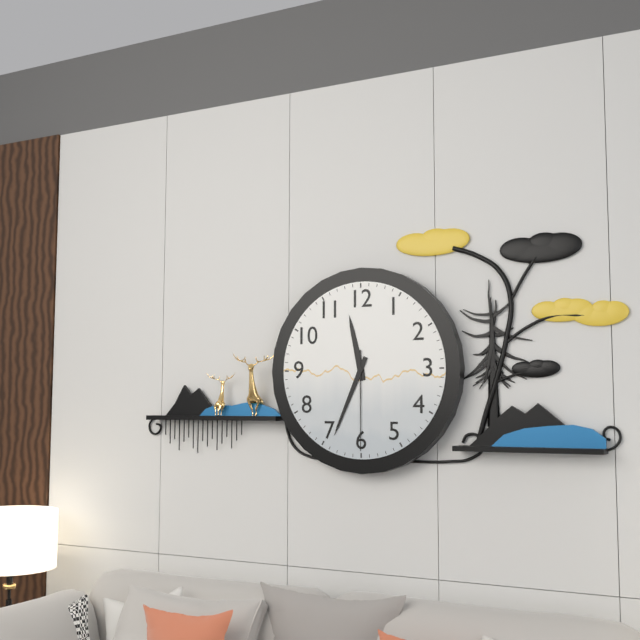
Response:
11.34.30
